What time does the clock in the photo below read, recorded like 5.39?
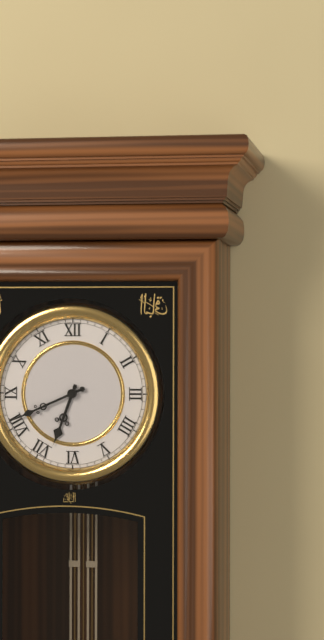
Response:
6.41
